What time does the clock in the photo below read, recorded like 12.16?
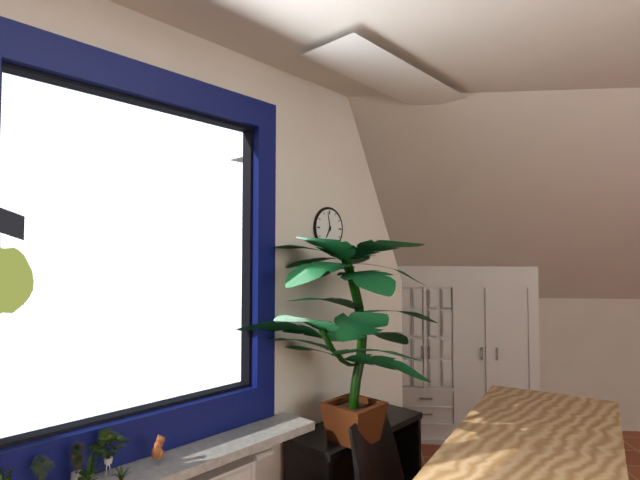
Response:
6.58
